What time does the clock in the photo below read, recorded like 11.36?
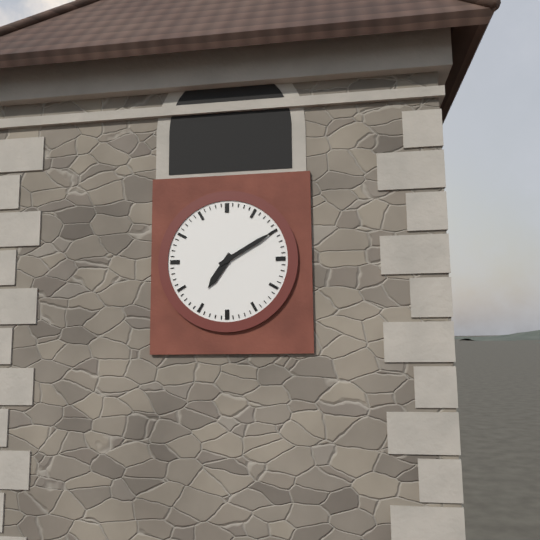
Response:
7.10
